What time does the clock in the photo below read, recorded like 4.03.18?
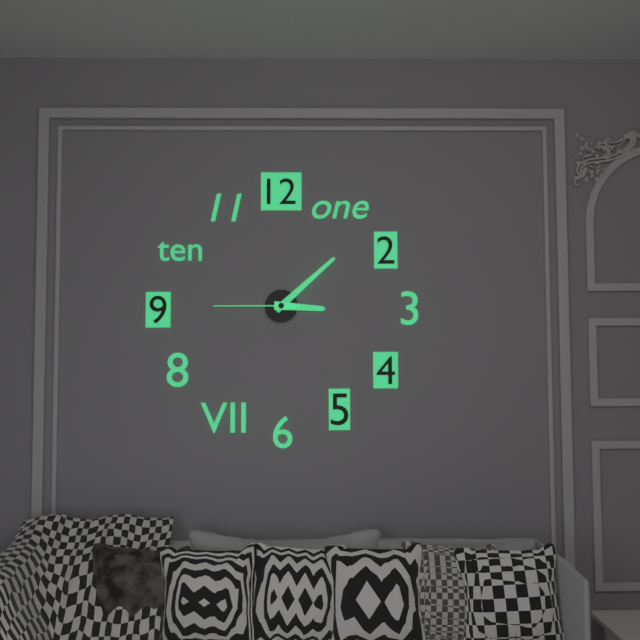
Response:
3.08.45
